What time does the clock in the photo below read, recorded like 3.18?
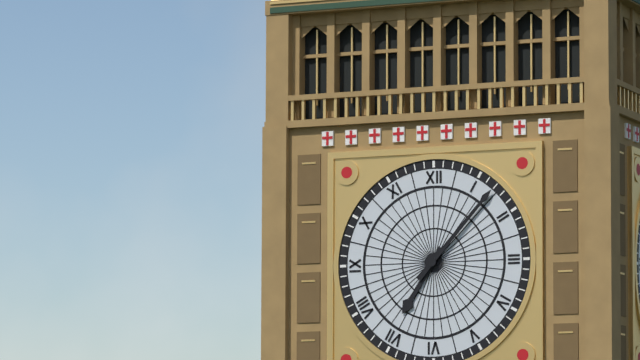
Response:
7.07
